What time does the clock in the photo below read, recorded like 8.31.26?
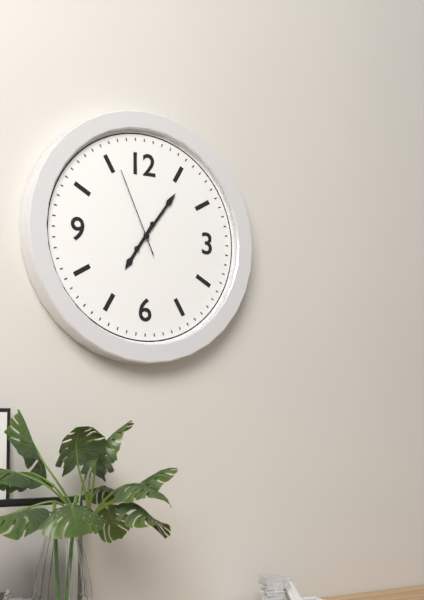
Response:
7.06.56
